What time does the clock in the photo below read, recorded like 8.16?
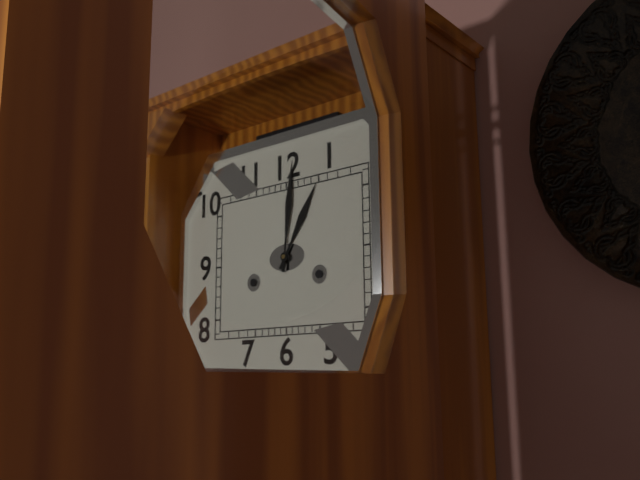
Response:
1.01
